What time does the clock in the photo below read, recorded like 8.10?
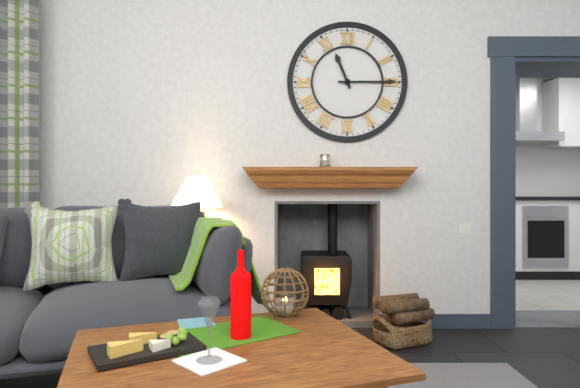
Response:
11.15
